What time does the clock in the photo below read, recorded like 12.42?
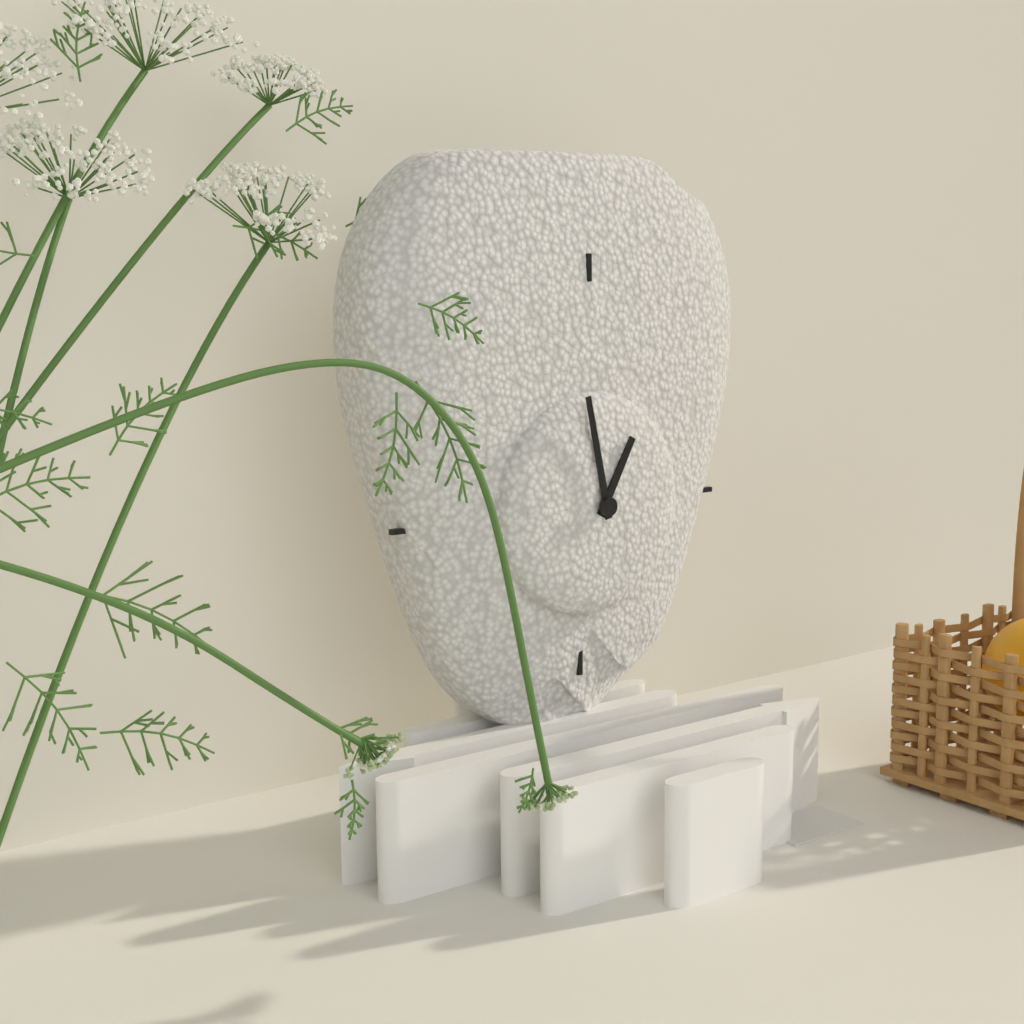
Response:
12.58
